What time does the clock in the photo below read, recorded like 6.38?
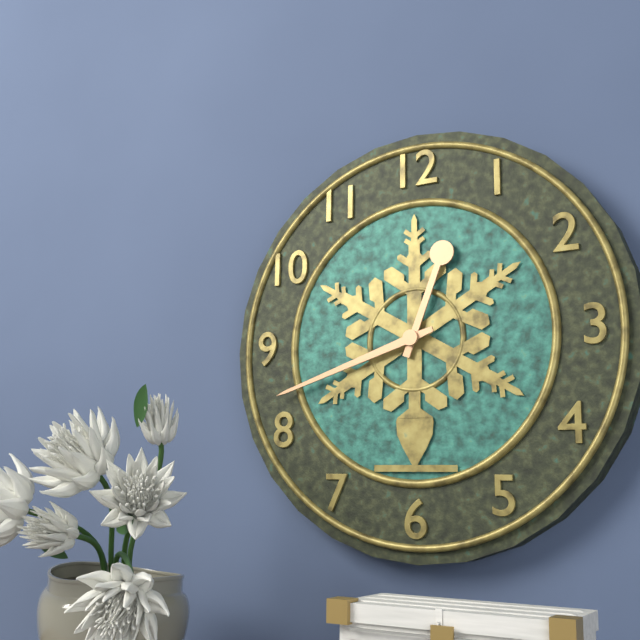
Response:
12.42
